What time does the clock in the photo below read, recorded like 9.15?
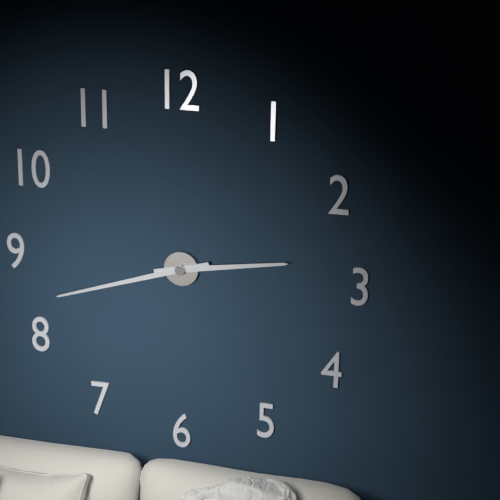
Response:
2.42
